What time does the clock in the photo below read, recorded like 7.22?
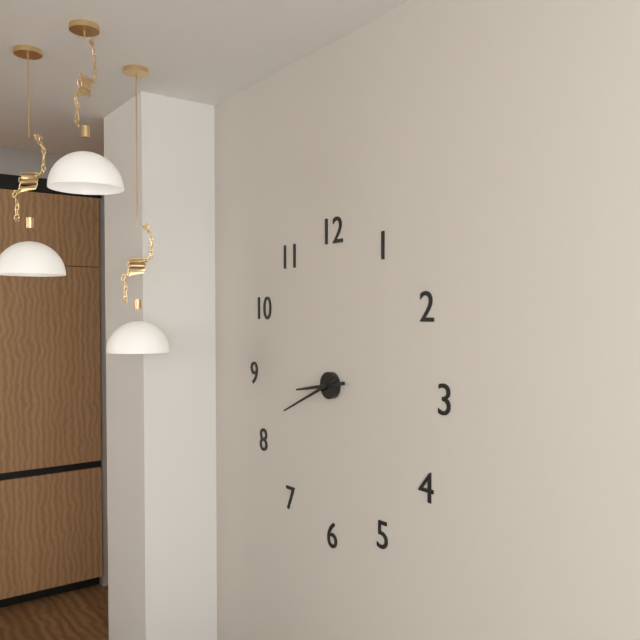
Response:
8.41
